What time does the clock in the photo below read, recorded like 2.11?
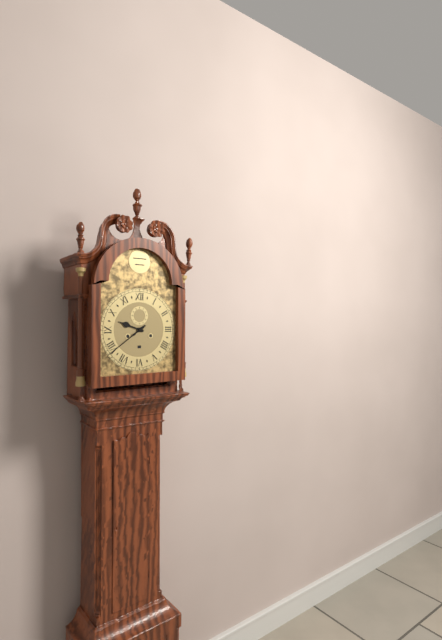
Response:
9.39
